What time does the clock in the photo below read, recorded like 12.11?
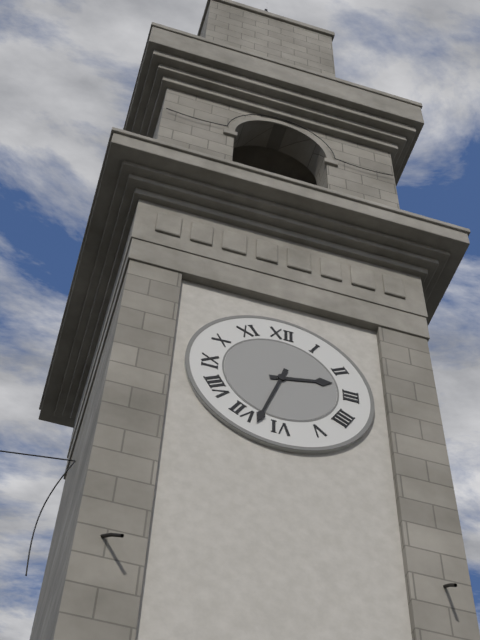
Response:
2.33
